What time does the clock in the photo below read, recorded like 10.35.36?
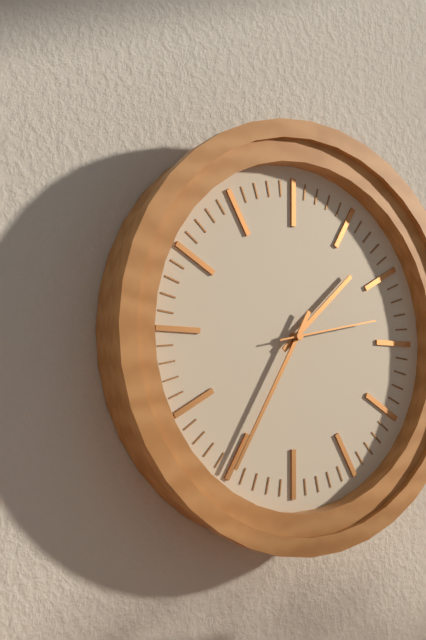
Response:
1.35.13
